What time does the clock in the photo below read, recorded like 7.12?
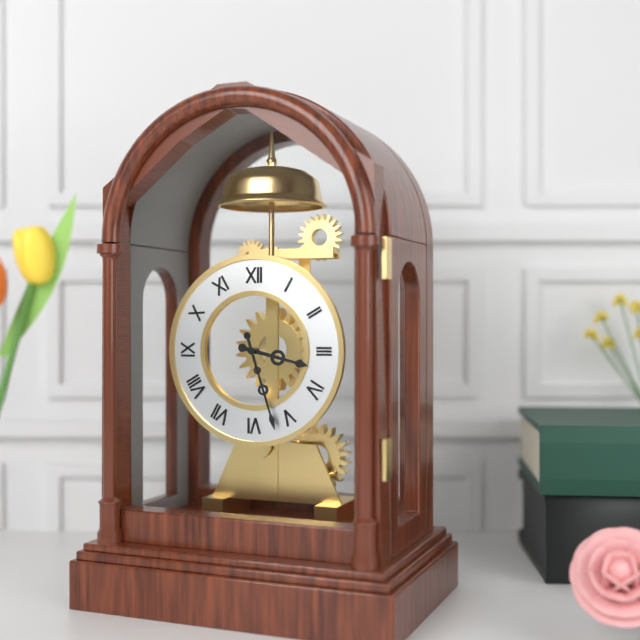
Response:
3.27
